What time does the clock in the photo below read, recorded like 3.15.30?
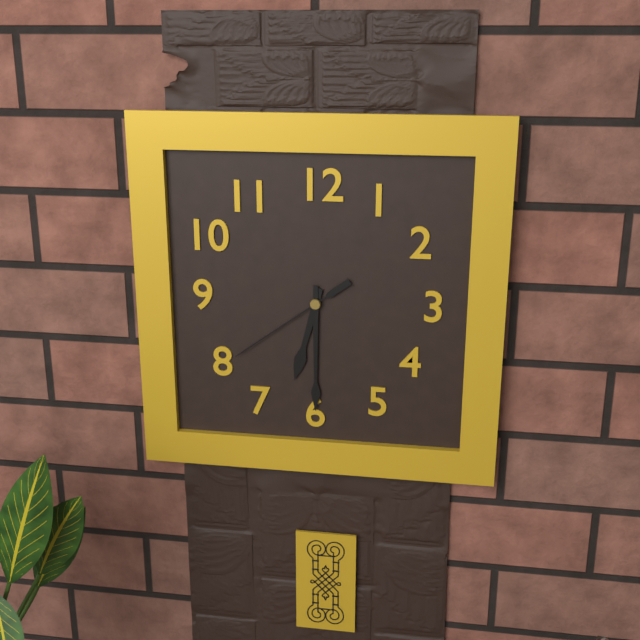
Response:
6.30.39
